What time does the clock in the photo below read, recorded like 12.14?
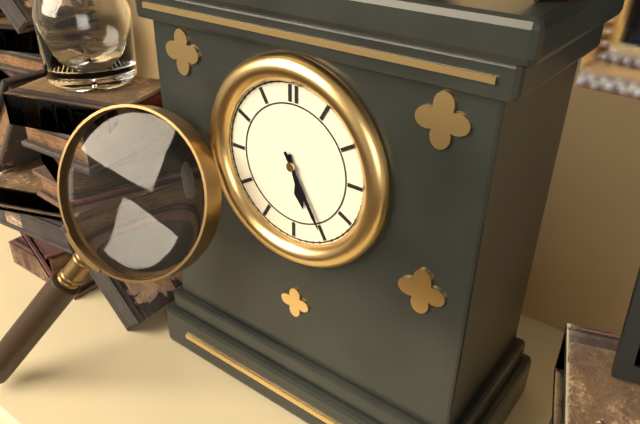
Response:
5.25
